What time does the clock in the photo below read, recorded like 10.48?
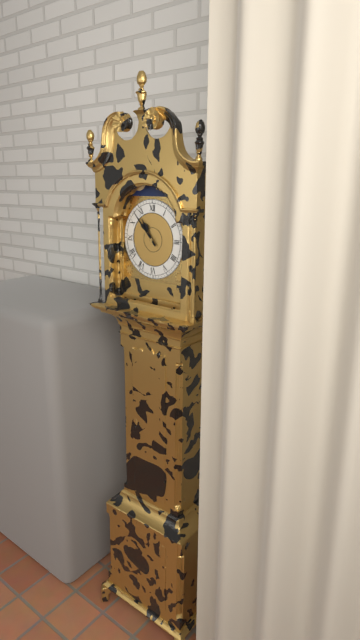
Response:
10.53
